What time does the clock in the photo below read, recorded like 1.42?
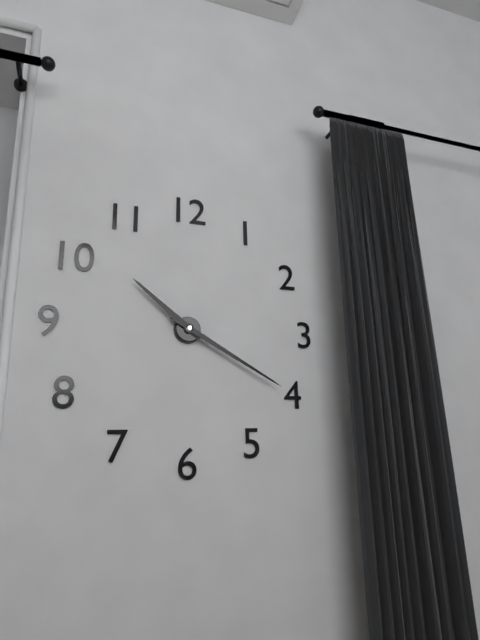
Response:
10.20
